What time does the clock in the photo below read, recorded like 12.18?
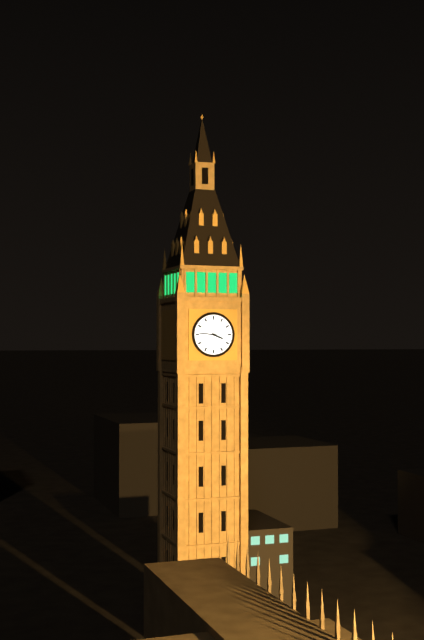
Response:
3.46
